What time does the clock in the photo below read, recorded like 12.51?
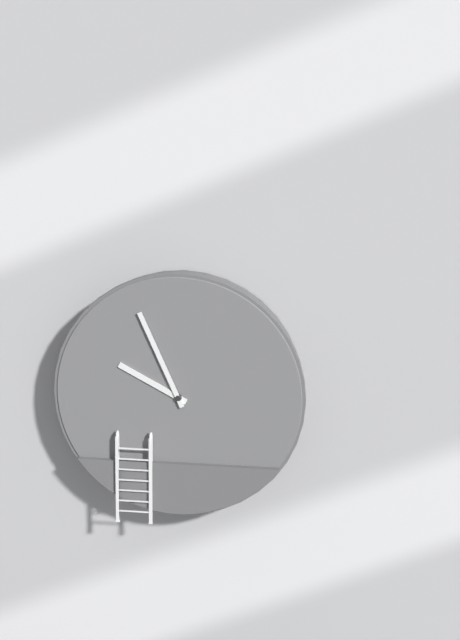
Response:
9.56
